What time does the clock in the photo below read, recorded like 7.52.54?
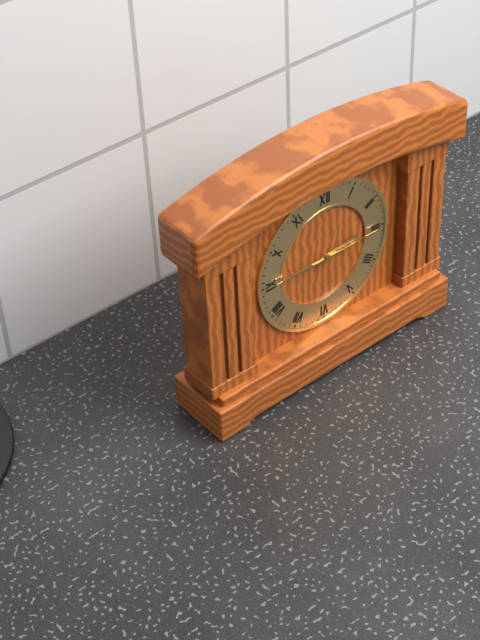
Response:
2.45.15
